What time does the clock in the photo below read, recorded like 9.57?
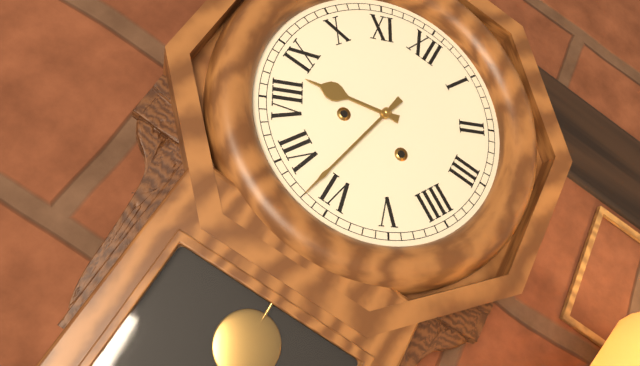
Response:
8.32
